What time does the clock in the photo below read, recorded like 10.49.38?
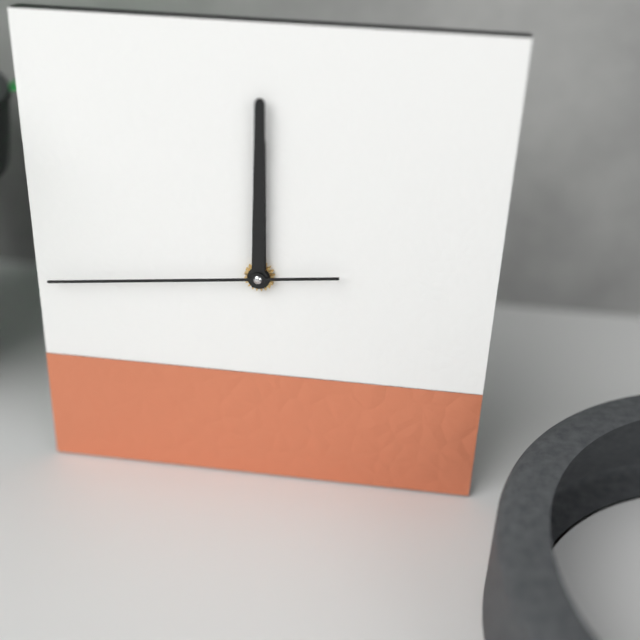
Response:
12.00.44
